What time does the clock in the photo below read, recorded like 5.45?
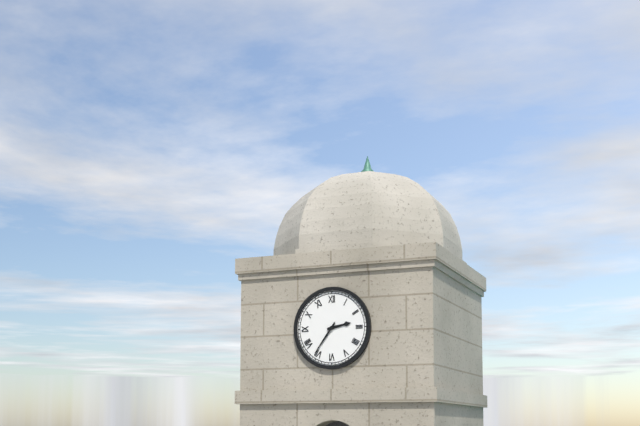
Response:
2.36
